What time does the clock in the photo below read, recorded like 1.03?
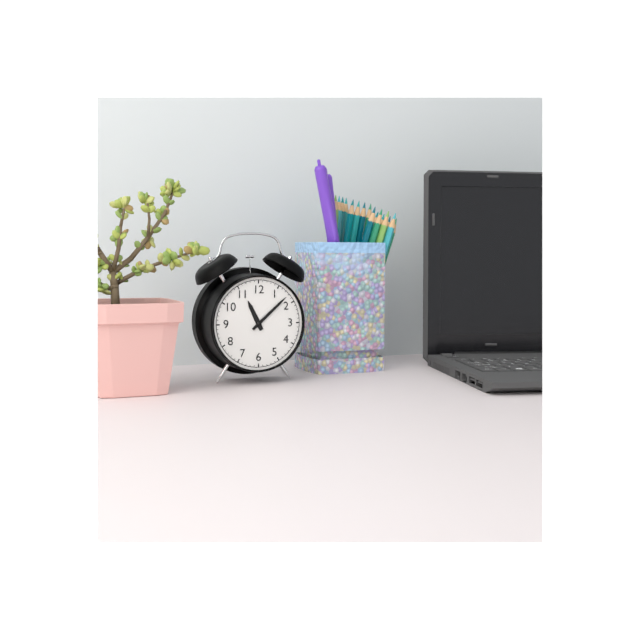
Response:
11.08
